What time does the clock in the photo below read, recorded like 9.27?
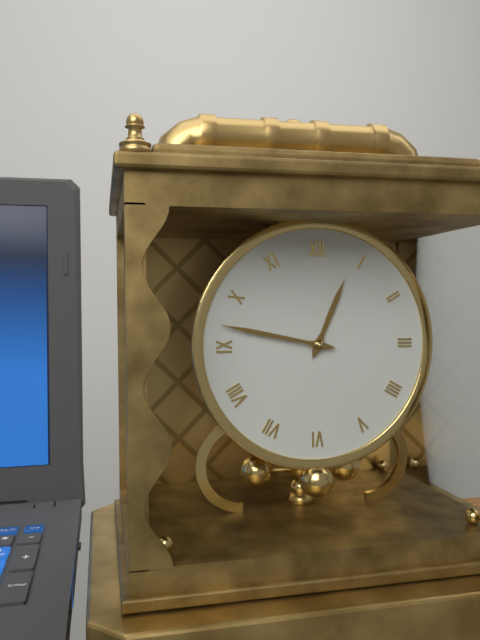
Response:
12.47
